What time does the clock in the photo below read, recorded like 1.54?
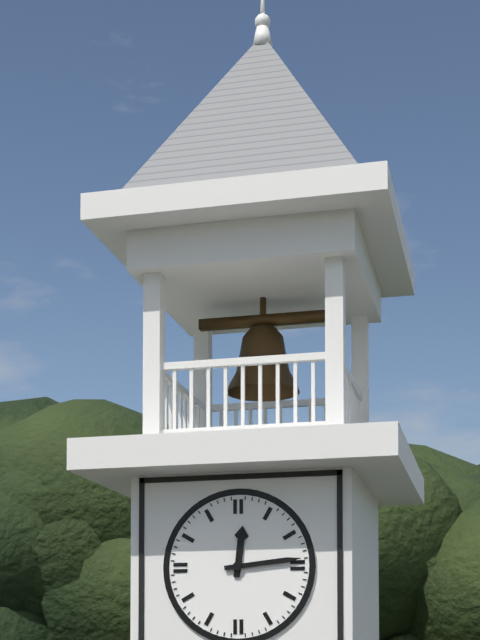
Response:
12.14
